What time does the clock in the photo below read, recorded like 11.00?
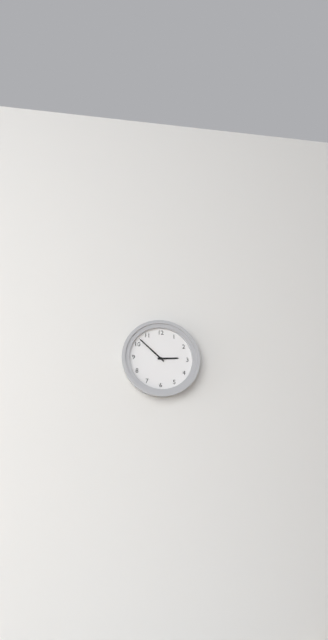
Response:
2.52
